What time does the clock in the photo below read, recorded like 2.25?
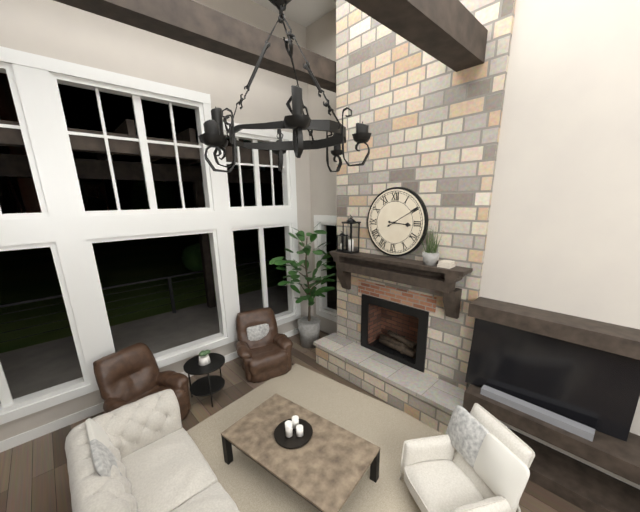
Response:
3.10
